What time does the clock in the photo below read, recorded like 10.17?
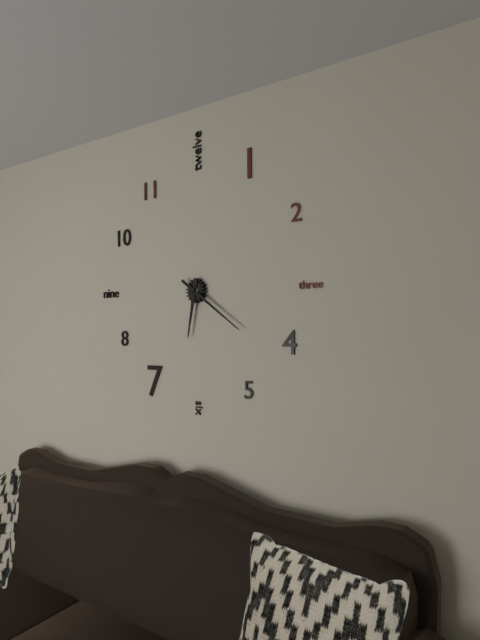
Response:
6.21
